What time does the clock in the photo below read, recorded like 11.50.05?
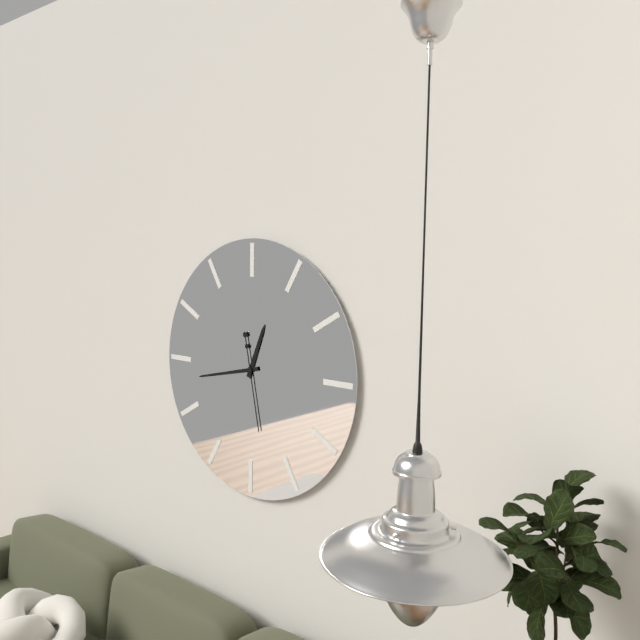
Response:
12.43.28
